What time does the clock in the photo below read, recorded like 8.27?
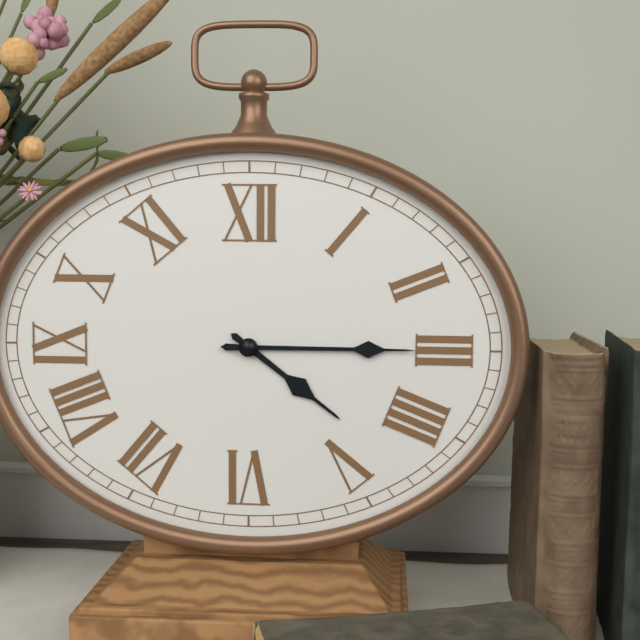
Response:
4.15
